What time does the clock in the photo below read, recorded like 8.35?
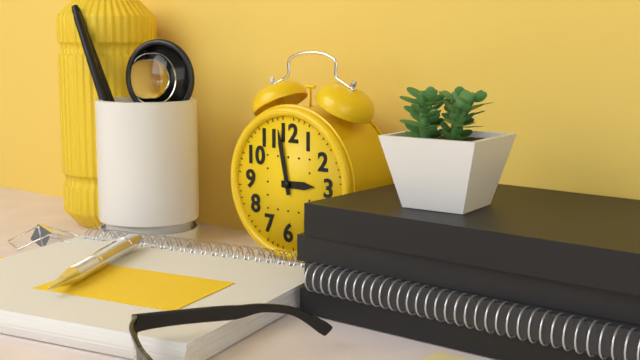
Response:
2.58
